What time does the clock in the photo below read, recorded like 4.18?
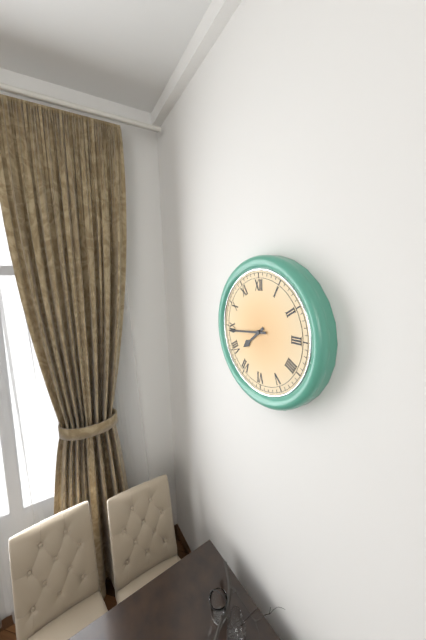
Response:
7.44
